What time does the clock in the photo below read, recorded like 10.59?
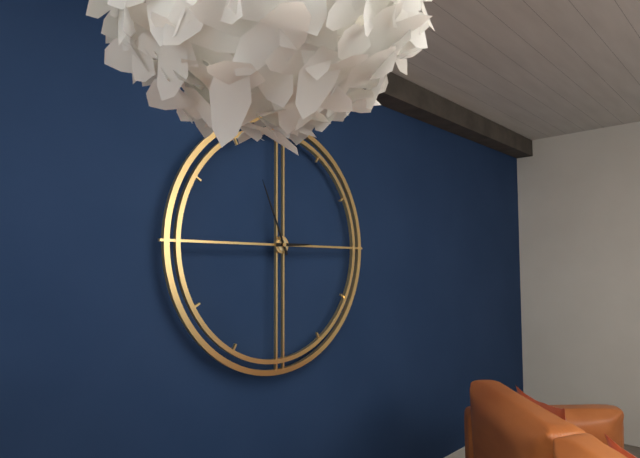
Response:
2.56
